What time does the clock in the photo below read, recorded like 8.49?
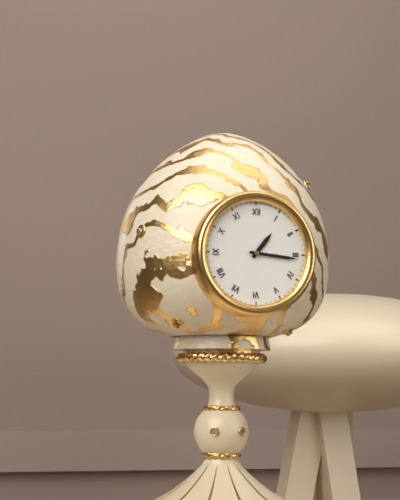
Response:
1.16
